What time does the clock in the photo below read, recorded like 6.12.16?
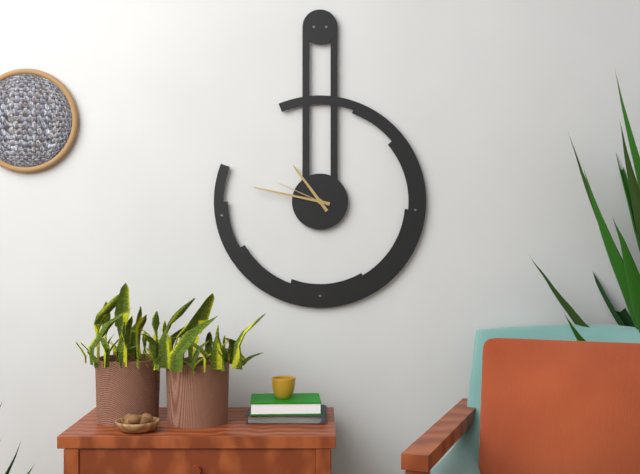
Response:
10.47.49
